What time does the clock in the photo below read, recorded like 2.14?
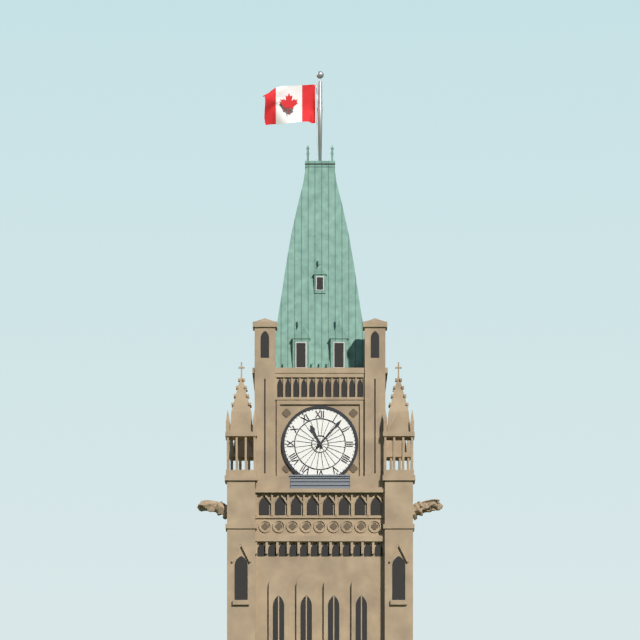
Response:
11.07
